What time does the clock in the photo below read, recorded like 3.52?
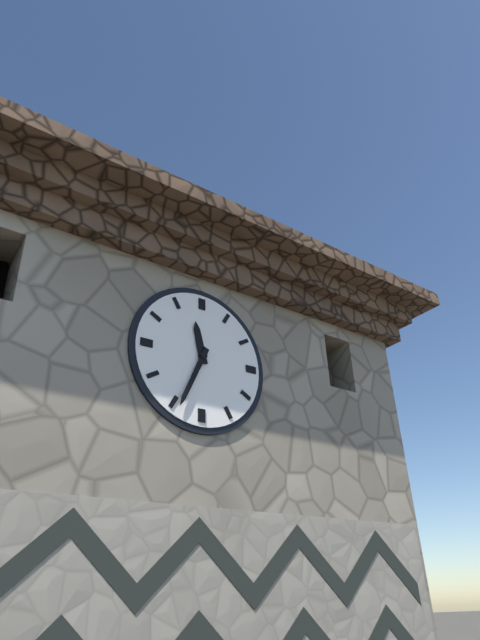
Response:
11.34
